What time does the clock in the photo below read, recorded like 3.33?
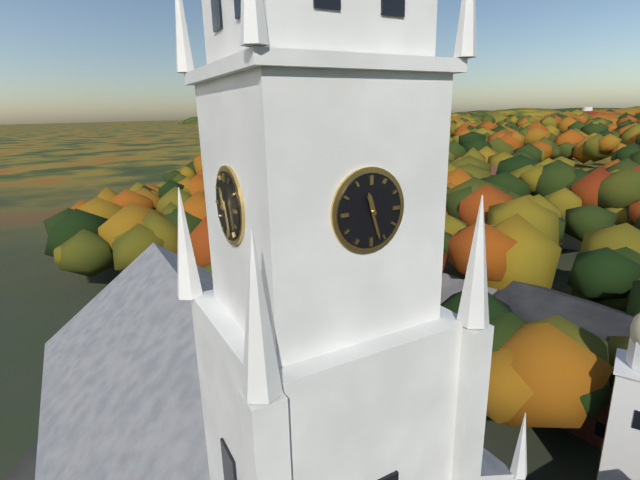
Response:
11.27
